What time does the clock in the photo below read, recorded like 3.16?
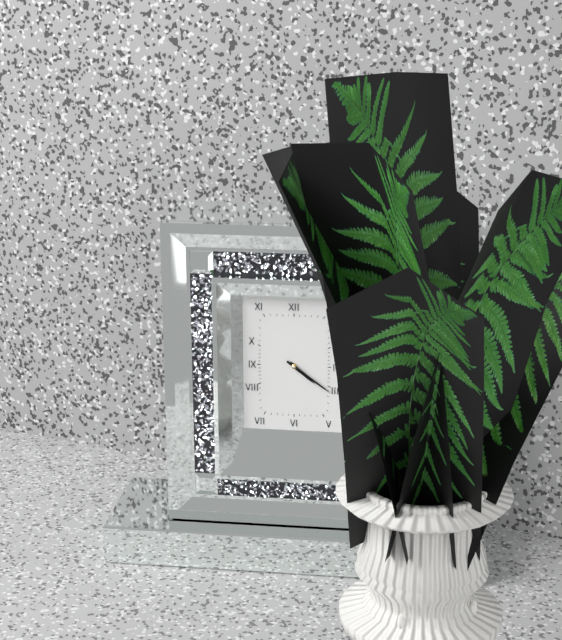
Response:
4.21
